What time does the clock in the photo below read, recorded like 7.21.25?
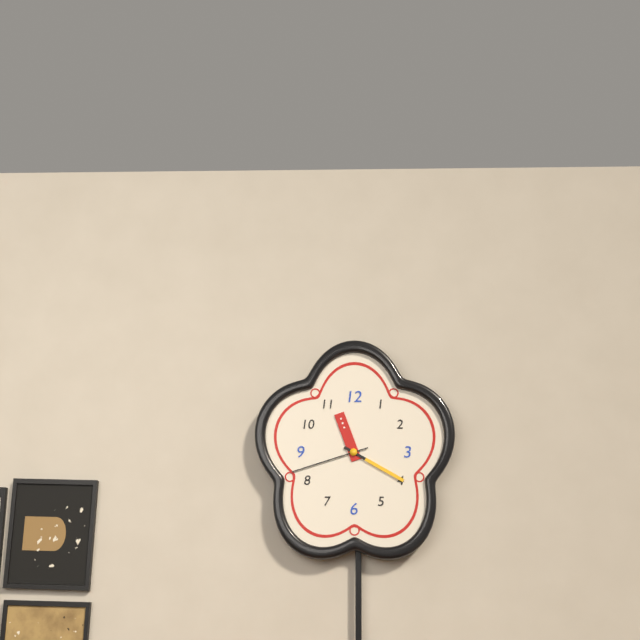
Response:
11.20.42
